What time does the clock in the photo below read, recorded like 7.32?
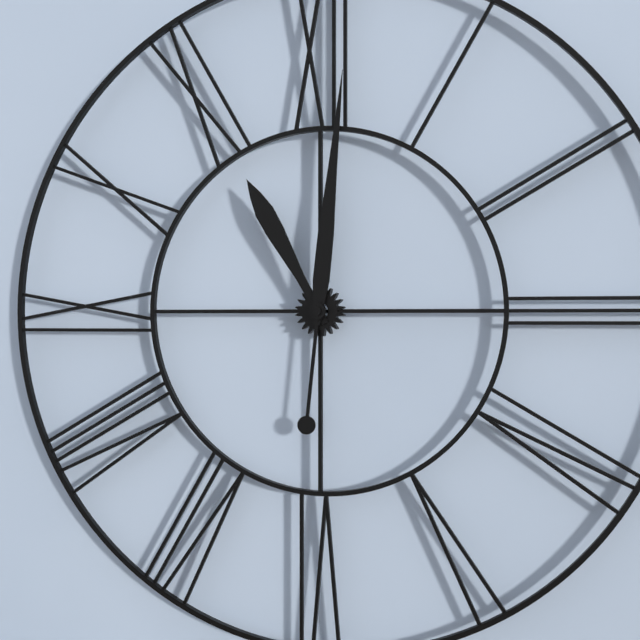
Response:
11.01
